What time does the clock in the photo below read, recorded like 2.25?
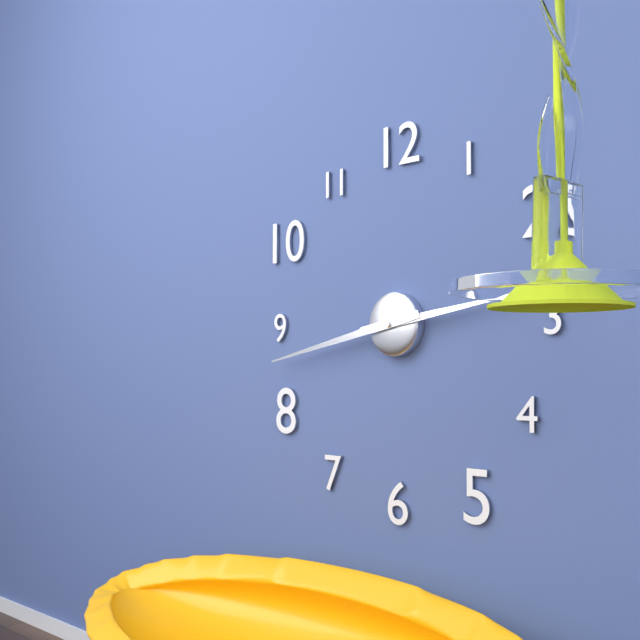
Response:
2.43
